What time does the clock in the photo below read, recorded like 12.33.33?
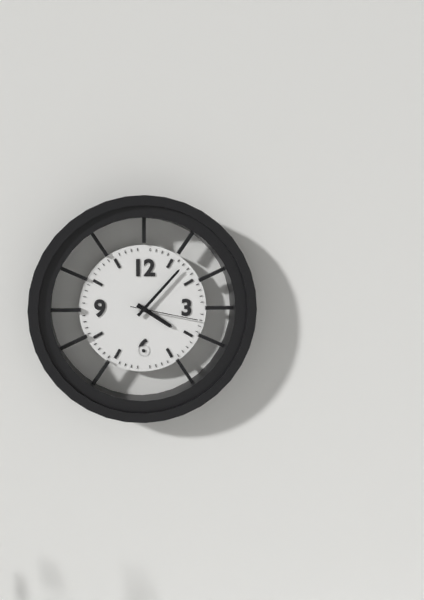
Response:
4.07.17
